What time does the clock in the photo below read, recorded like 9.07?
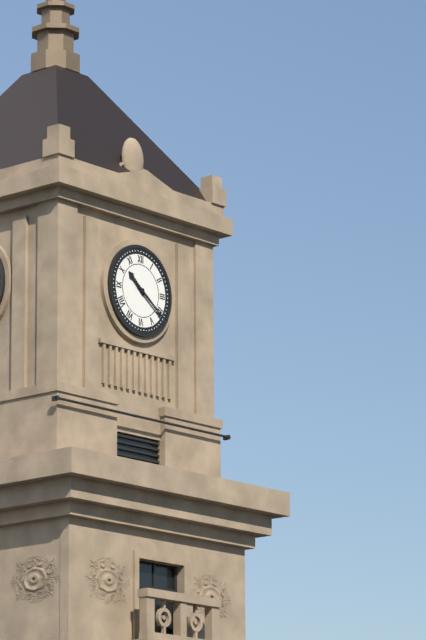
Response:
10.21
